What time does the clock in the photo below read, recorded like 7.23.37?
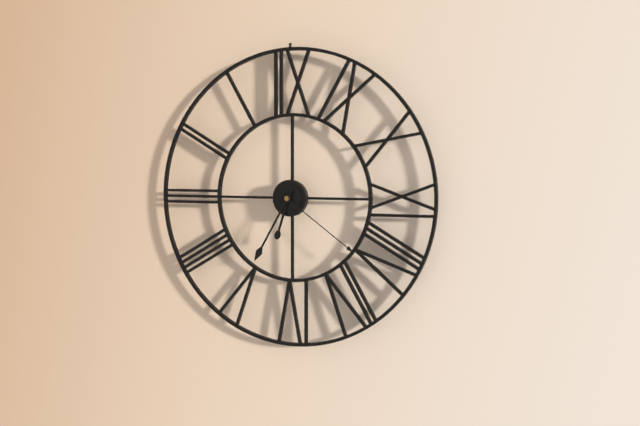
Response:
6.35.21
